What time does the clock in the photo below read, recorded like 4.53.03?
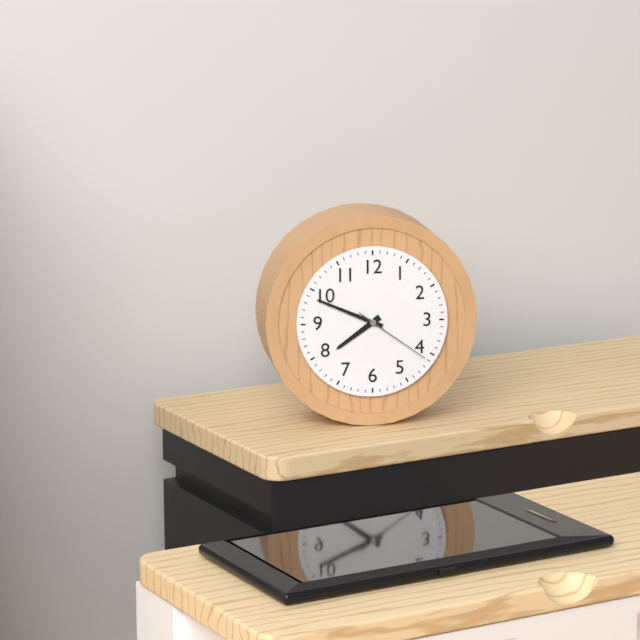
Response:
7.49.21
